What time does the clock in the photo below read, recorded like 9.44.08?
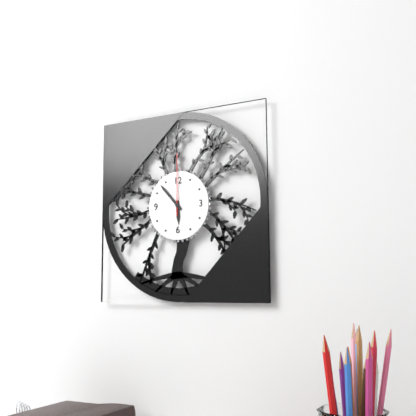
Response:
5.53.00
